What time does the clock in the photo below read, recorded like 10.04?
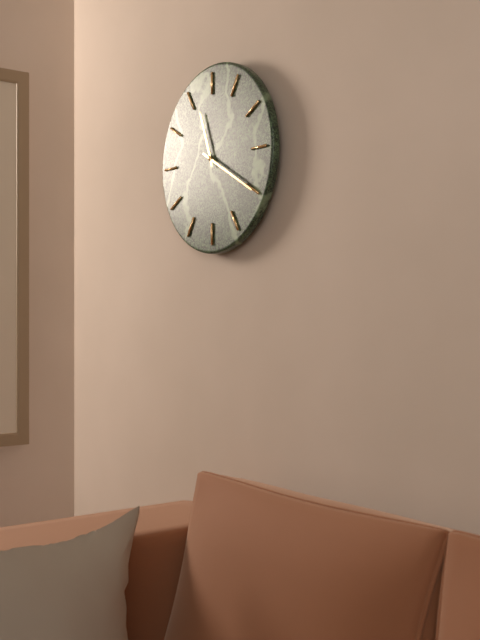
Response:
11.20
